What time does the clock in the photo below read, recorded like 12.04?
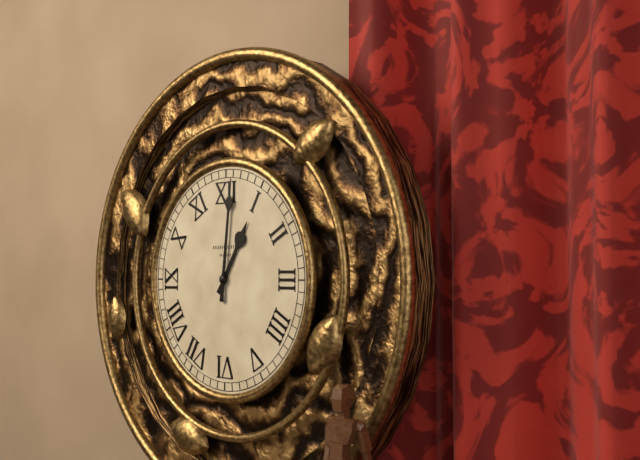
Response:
1.01
